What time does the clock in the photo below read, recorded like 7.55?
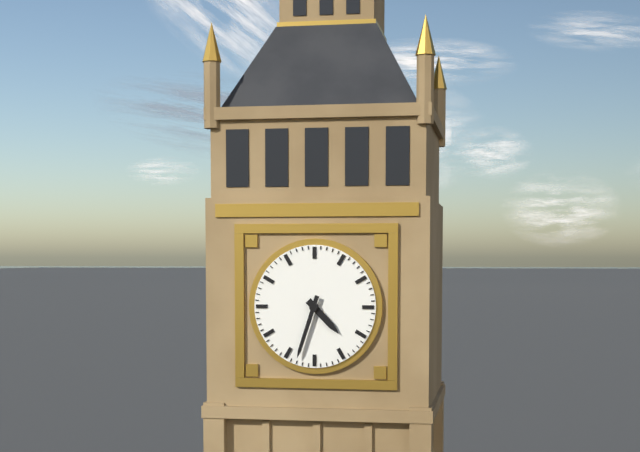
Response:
4.33
